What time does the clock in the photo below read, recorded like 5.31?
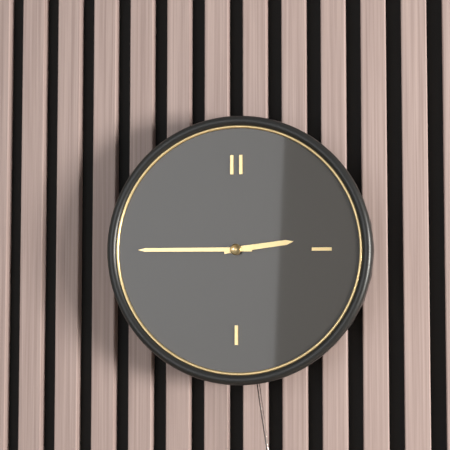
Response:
2.45
